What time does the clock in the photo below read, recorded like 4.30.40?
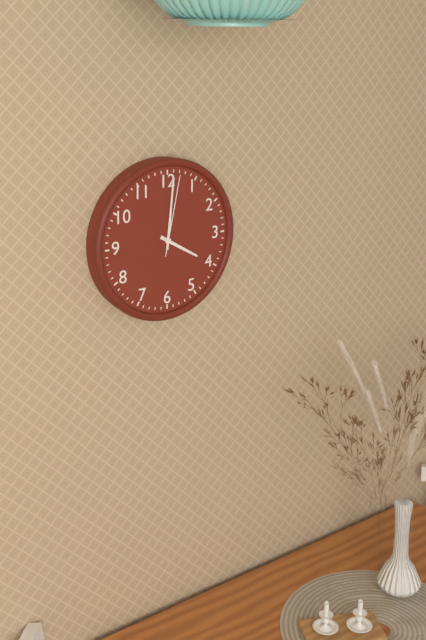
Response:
4.01.02
